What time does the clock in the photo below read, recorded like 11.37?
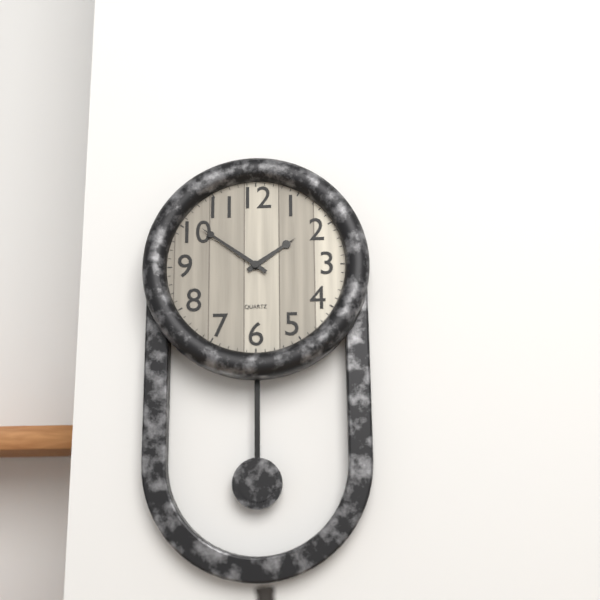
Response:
1.51
